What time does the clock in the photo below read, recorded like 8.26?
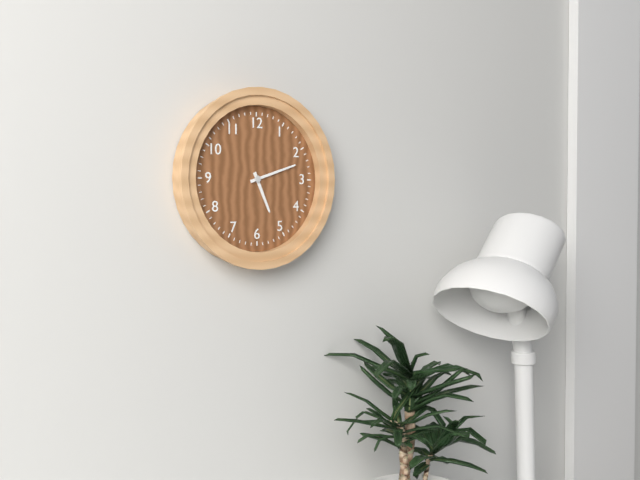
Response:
5.12
